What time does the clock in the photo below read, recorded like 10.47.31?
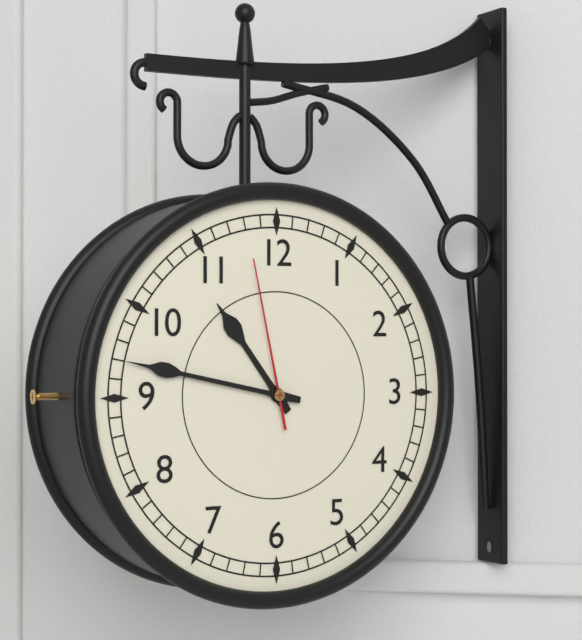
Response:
10.47.58
